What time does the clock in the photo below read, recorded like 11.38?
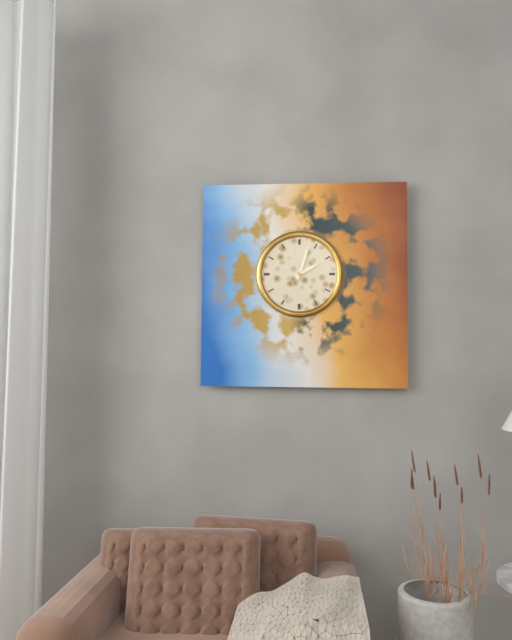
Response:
2.03
